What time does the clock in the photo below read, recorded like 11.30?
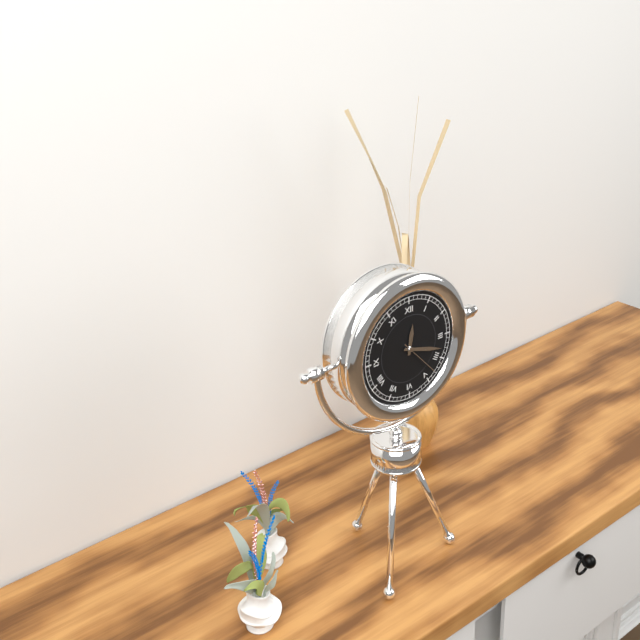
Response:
12.18
